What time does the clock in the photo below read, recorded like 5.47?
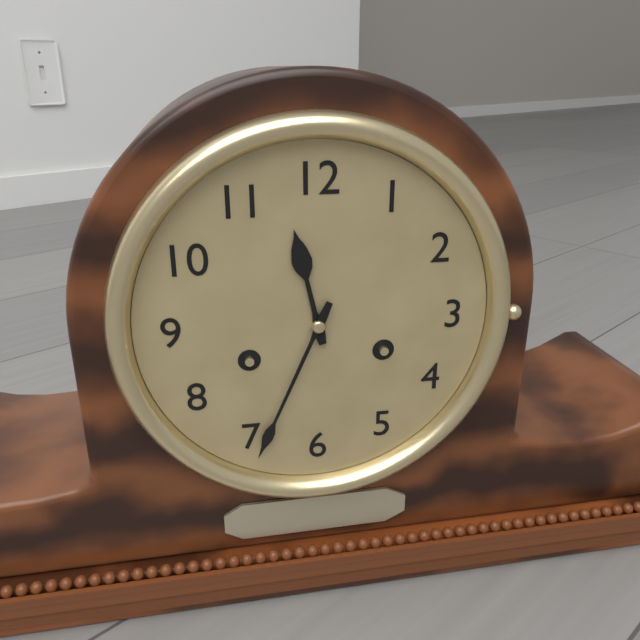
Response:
11.34
